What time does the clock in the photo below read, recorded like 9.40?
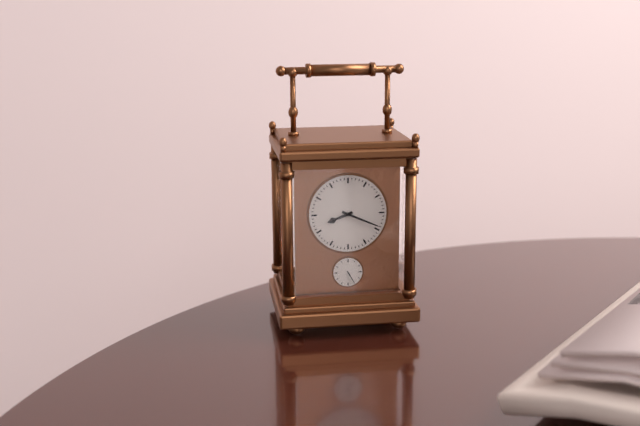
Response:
8.19
